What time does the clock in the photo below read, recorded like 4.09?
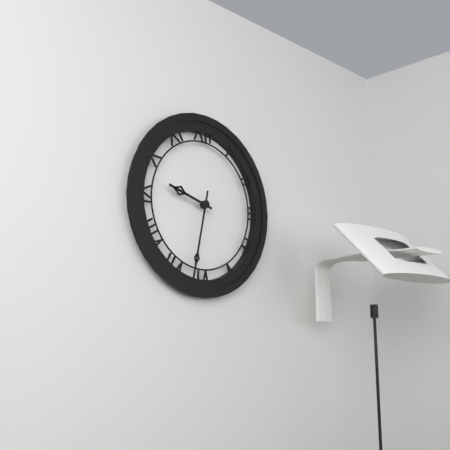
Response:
9.32
